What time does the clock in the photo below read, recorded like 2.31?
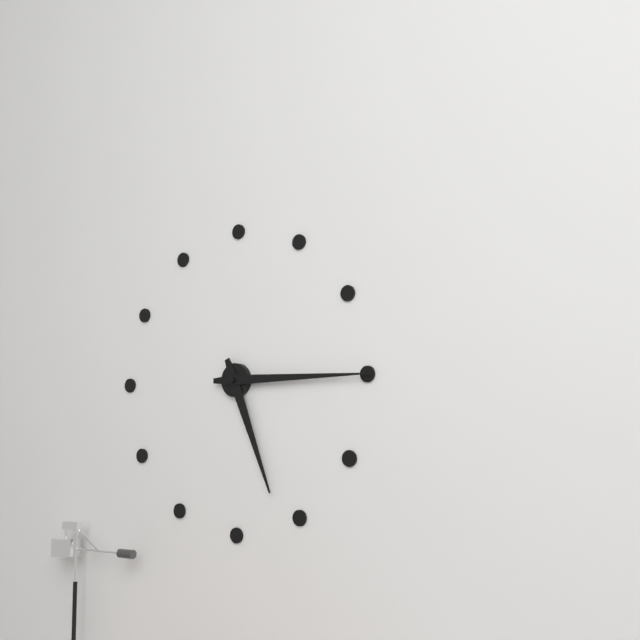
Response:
5.15
